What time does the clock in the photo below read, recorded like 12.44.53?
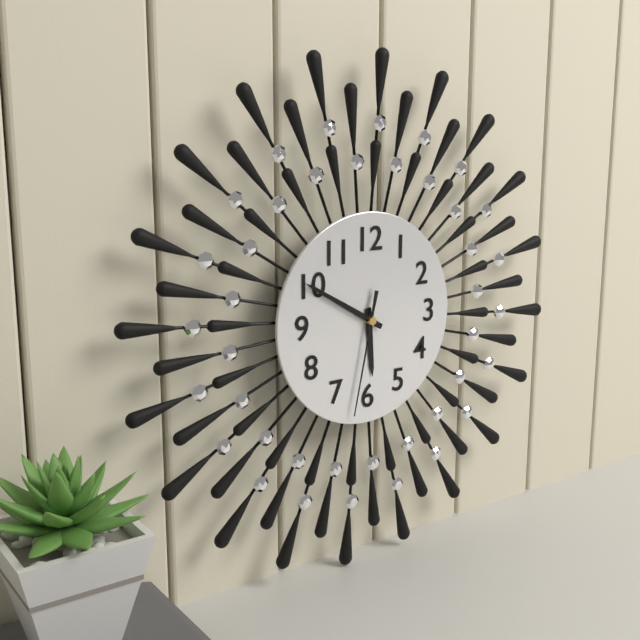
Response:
5.50.32
